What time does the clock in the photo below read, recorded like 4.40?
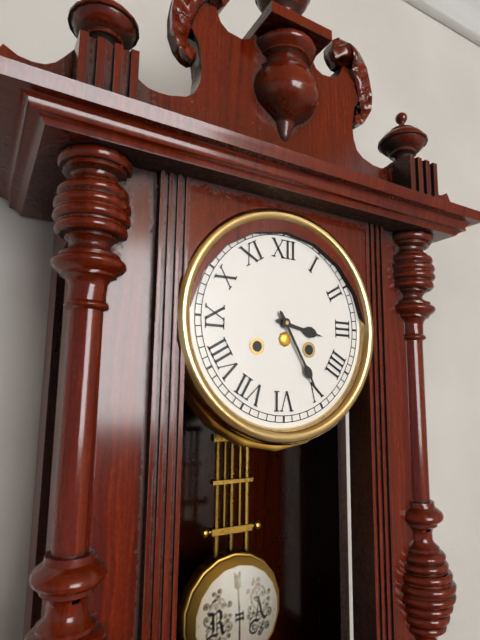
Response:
3.25
